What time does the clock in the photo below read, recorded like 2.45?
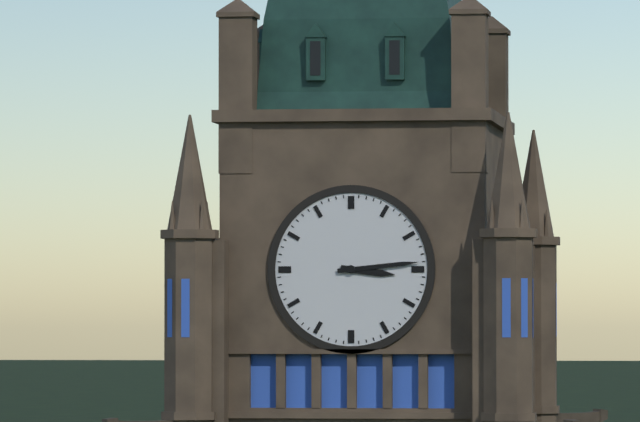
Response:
3.14
